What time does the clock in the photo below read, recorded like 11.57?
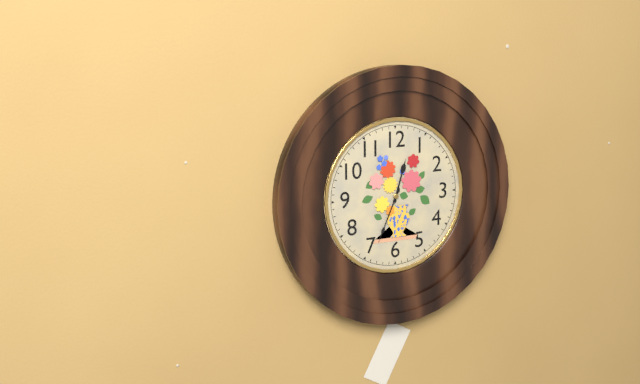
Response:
12.34
